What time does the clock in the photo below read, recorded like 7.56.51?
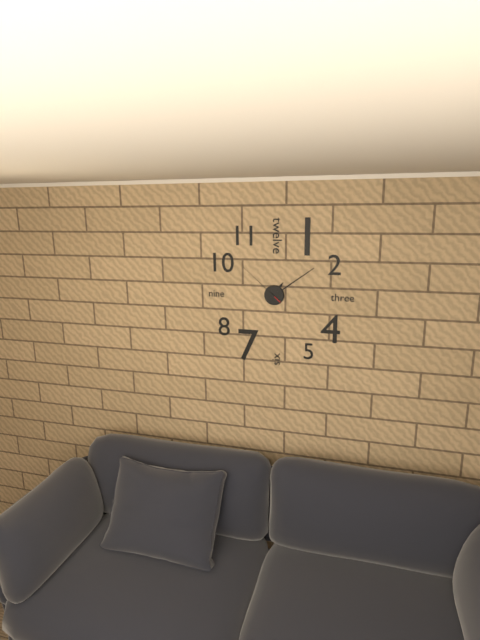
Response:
1.09.52
